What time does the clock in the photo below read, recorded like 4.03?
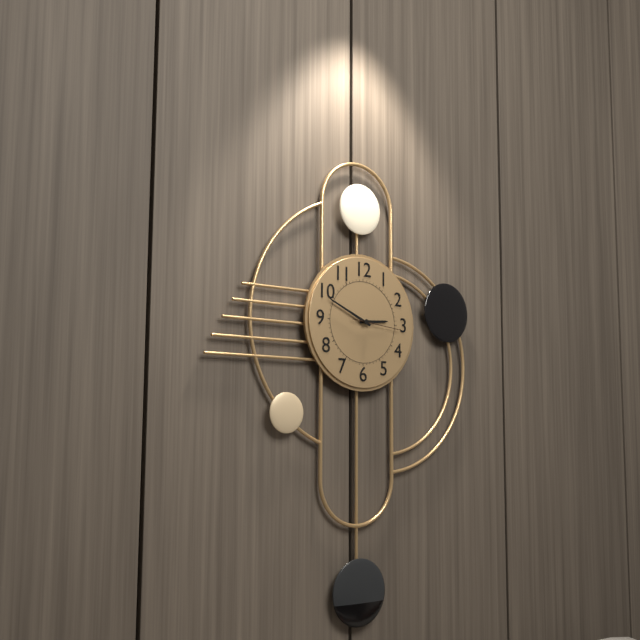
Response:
2.49
